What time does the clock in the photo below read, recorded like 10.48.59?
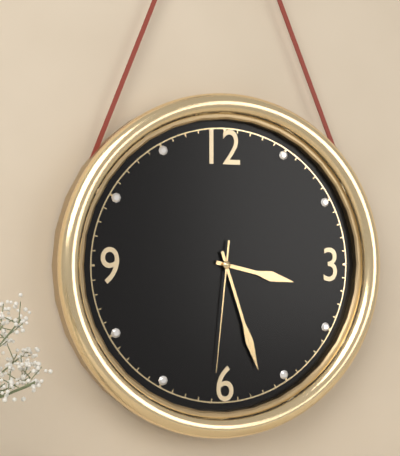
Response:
3.27.31
